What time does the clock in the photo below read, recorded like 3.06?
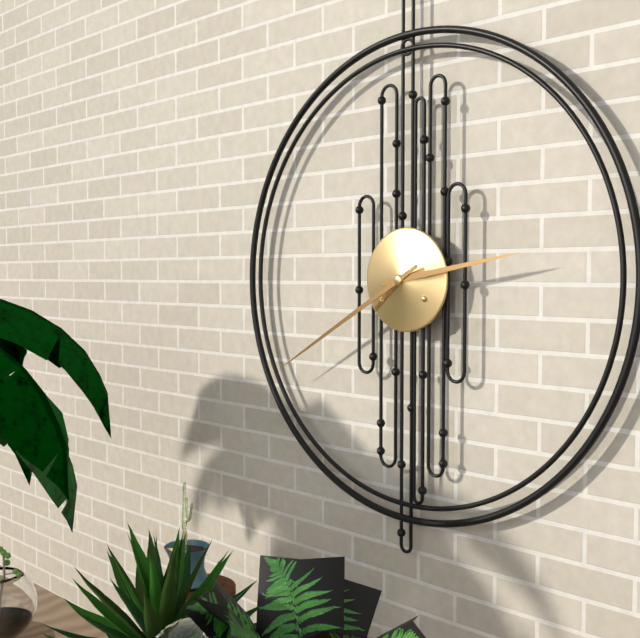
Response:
2.40
